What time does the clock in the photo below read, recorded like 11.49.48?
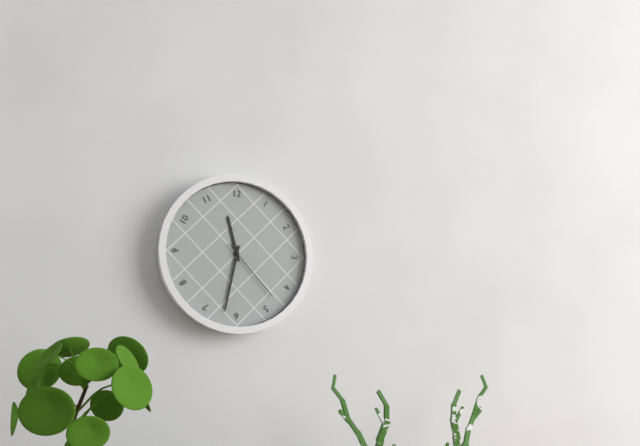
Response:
11.32.23
